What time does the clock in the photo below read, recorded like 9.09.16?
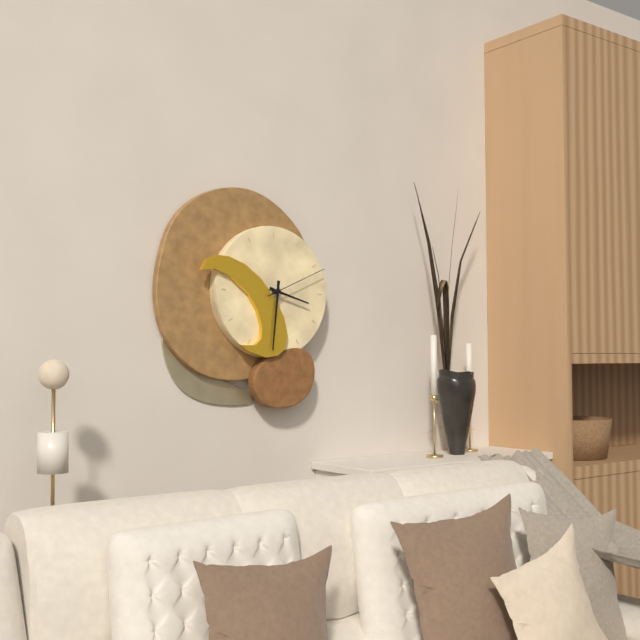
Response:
3.31.11
